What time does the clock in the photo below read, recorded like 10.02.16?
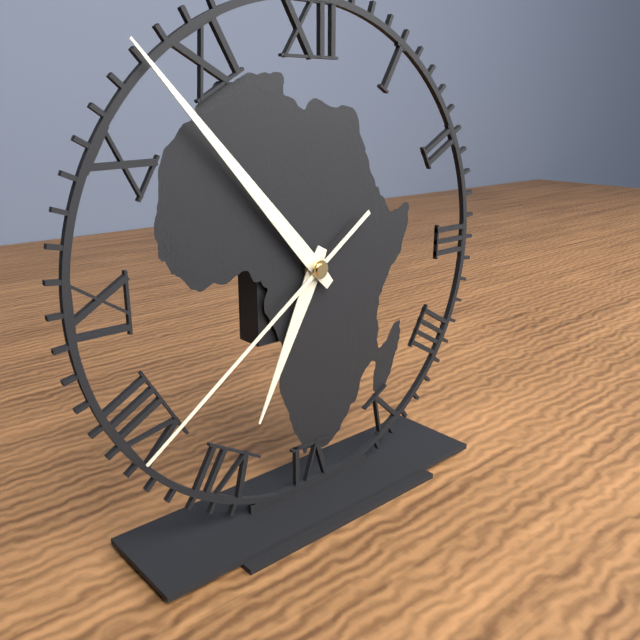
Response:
6.53.39
